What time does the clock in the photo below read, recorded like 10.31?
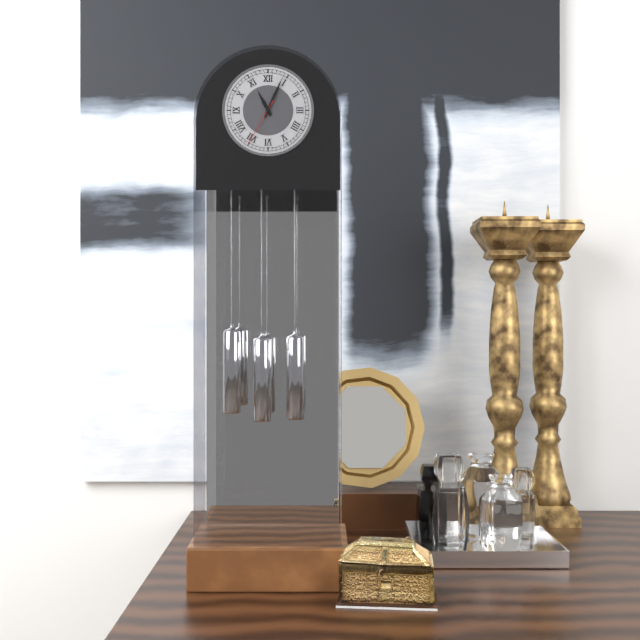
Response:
11.04
